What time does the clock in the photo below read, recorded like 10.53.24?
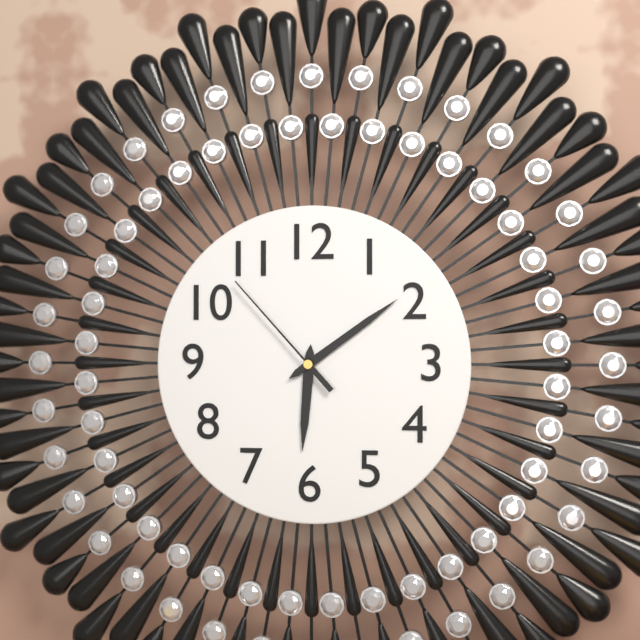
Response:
6.09.53
